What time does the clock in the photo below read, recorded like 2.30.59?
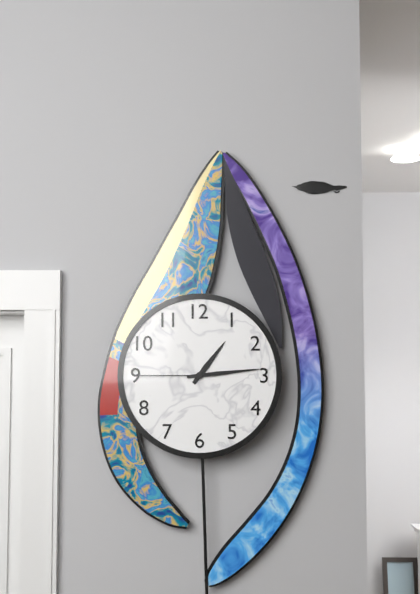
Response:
1.14.45
